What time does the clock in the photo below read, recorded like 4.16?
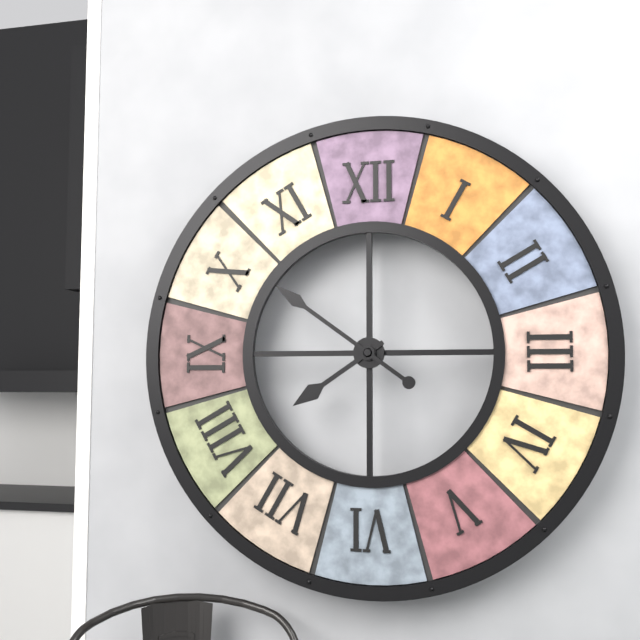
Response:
7.51
